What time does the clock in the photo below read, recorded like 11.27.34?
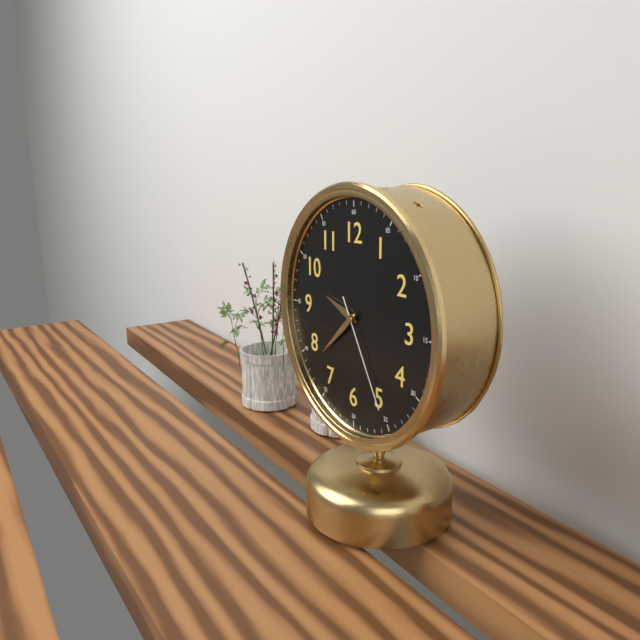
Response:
9.38.25
